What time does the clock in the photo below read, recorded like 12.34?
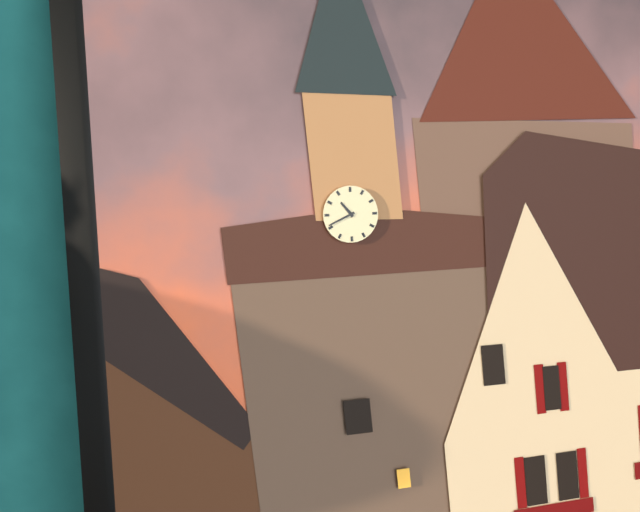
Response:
10.41
